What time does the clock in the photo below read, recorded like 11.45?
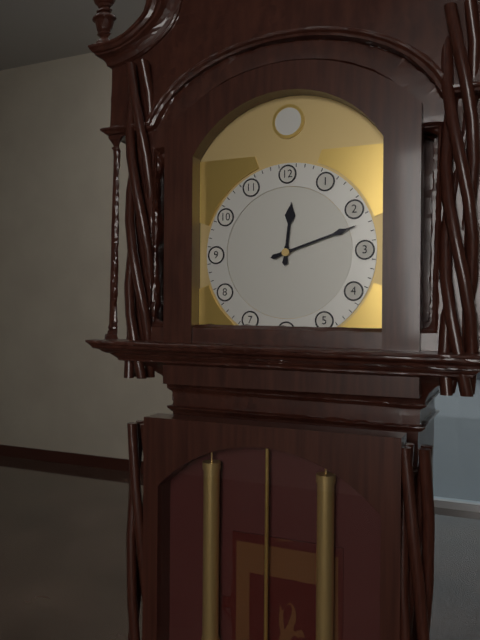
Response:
12.12
